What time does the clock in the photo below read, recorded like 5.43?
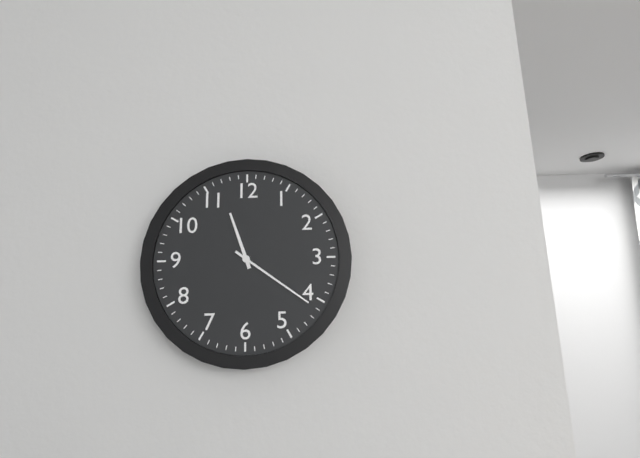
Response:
11.21
